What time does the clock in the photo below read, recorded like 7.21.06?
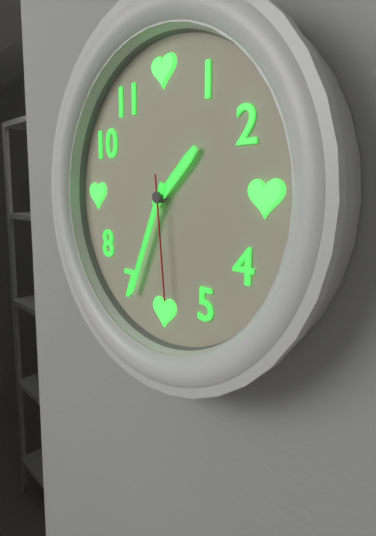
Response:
1.34.29
